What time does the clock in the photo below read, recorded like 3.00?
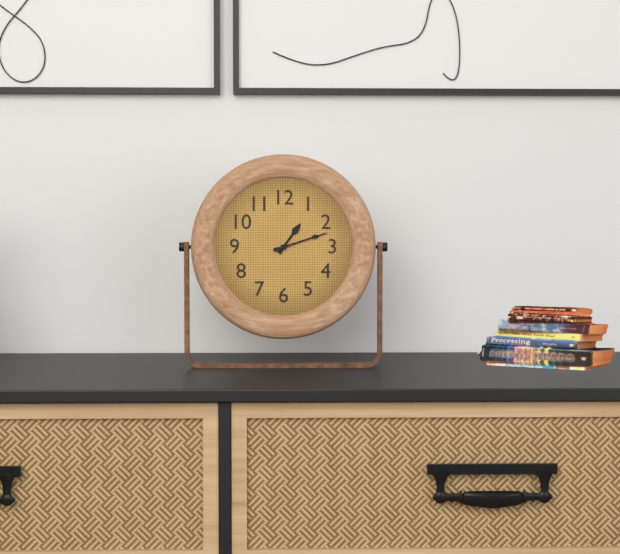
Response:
1.12
